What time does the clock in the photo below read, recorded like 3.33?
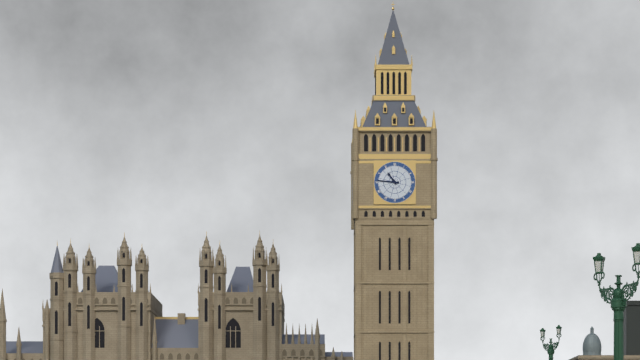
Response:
10.46
